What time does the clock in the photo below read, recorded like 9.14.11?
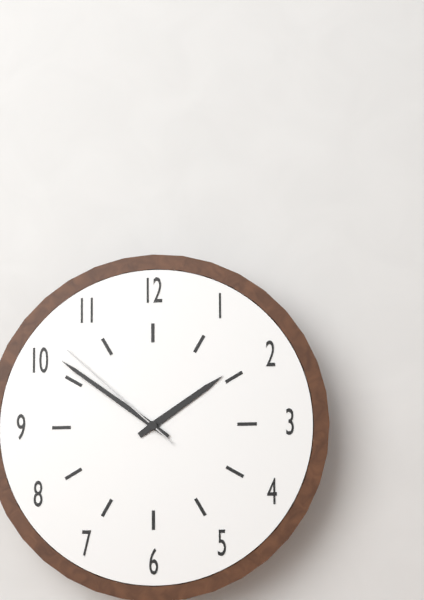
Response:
1.51.52
